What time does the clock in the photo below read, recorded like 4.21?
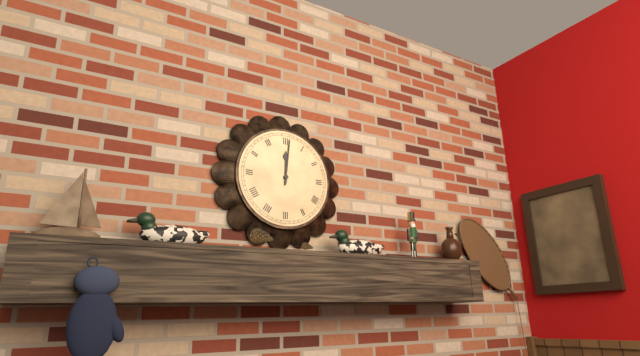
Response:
12.01
